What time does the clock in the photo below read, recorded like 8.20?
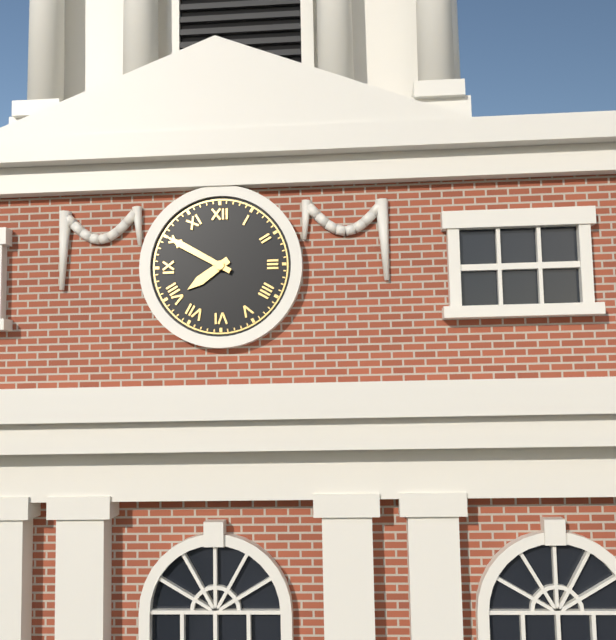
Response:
7.50
